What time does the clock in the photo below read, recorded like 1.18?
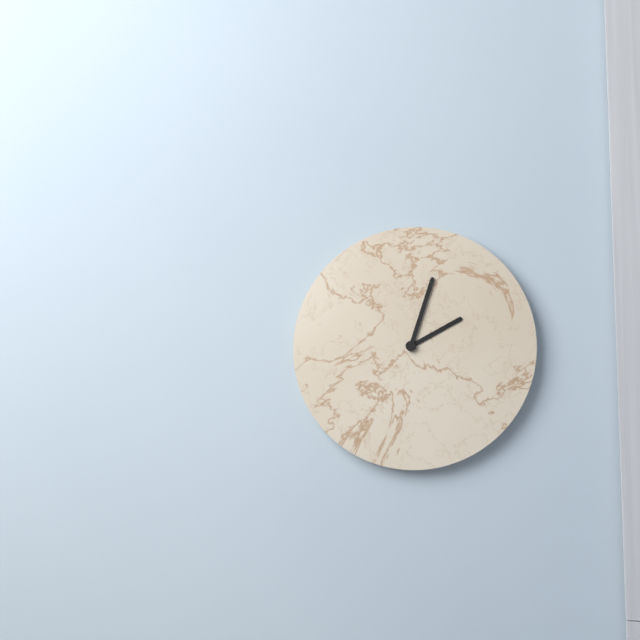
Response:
2.03
